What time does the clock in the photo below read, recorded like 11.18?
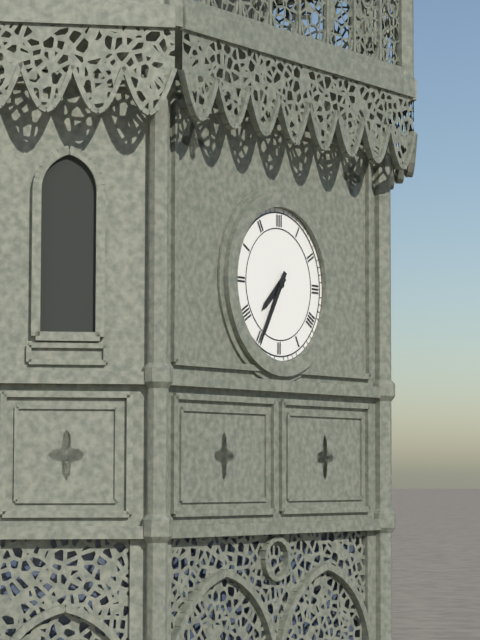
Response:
7.35
